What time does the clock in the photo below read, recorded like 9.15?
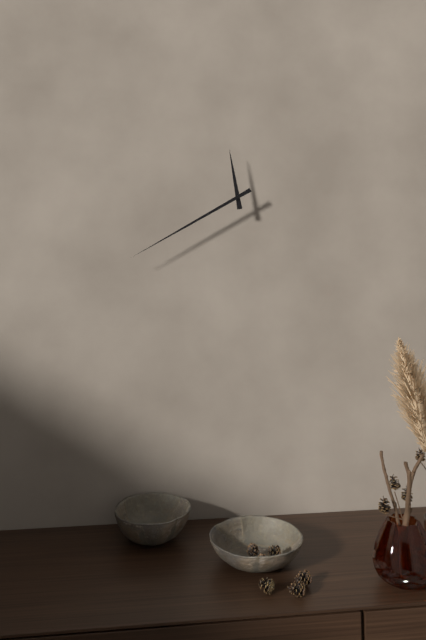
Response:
11.40
